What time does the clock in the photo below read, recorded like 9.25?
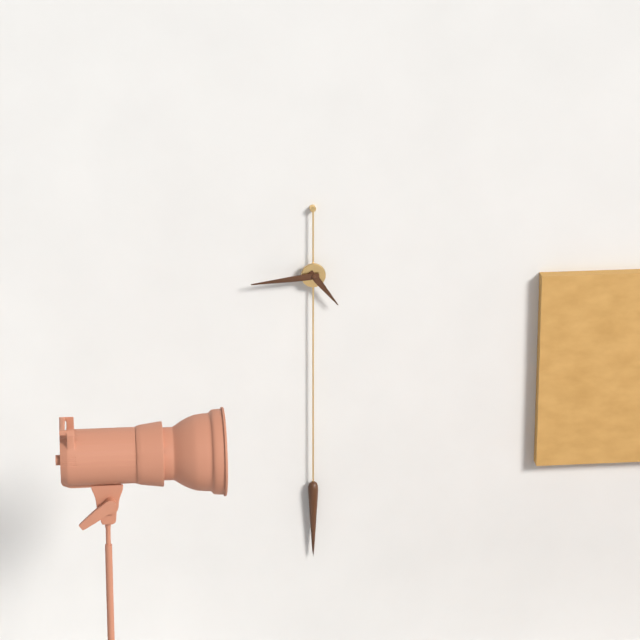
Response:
4.44
